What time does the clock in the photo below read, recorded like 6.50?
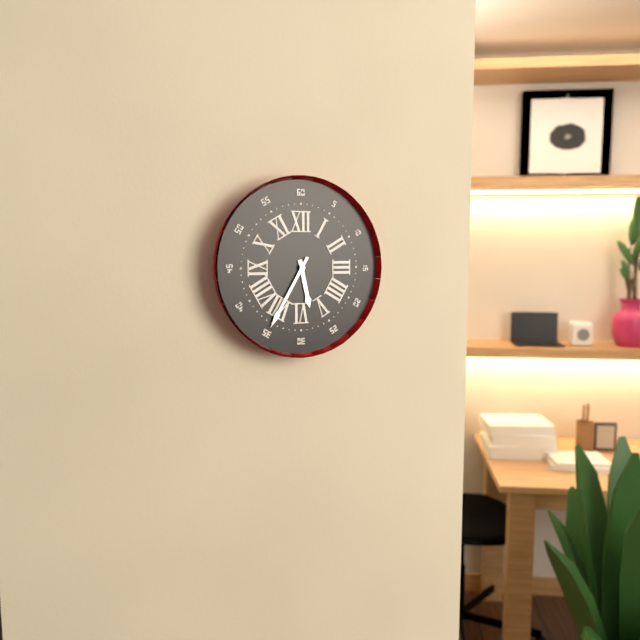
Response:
5.35
